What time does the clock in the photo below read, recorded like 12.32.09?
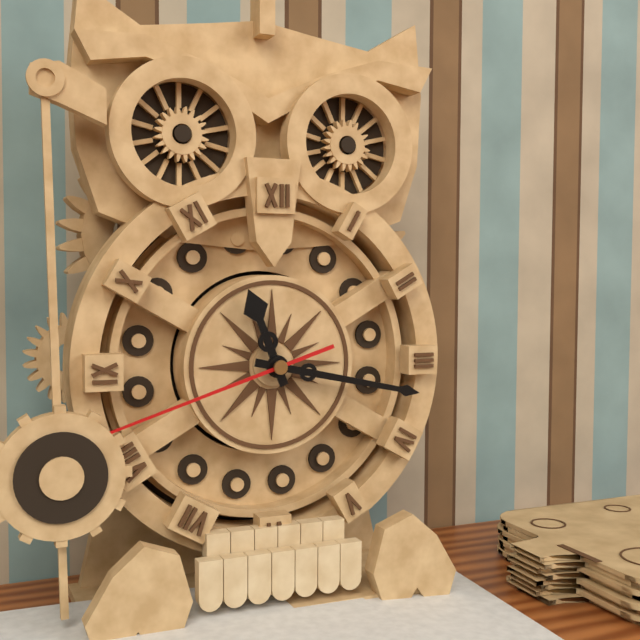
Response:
11.17.42
